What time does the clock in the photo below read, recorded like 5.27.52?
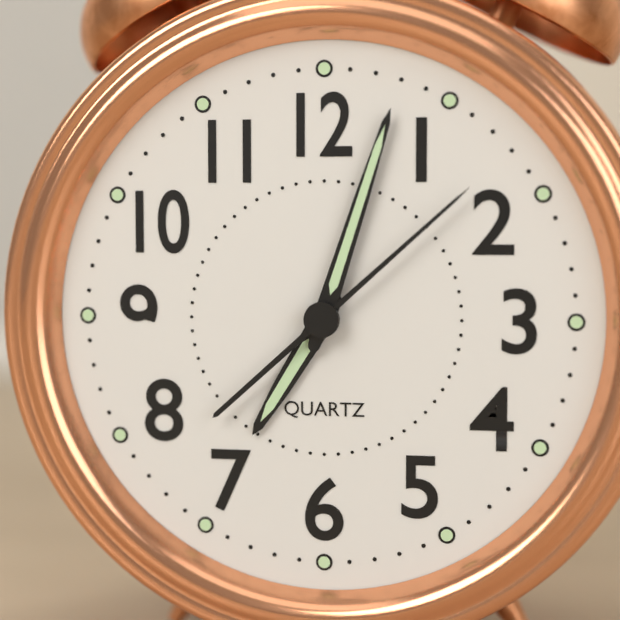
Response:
7.03.08
